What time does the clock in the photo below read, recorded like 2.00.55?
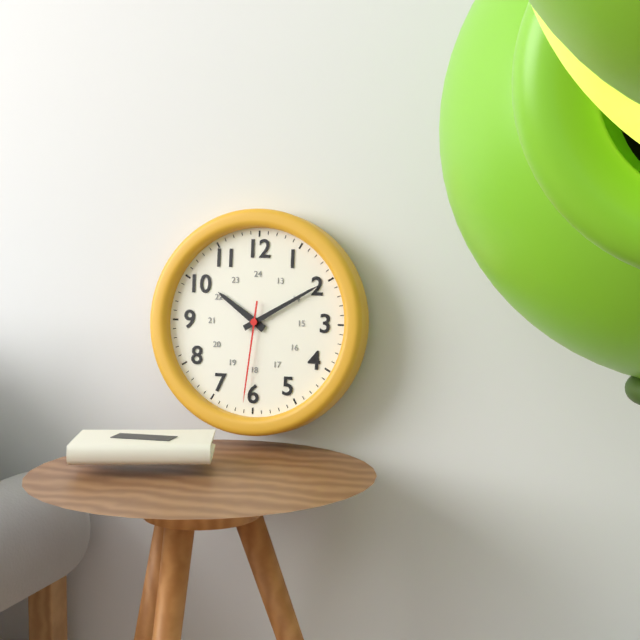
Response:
10.10.31
